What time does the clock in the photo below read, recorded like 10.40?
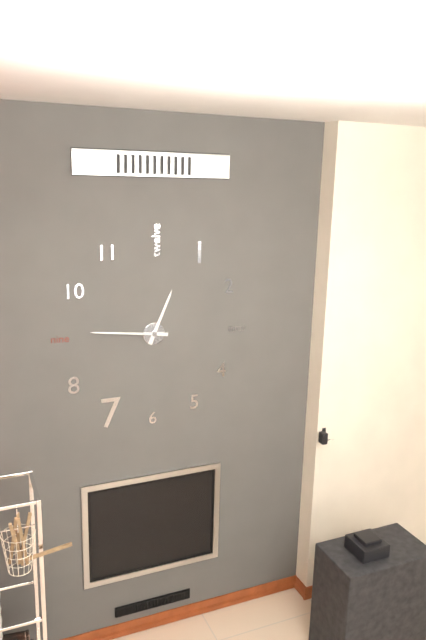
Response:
12.46
